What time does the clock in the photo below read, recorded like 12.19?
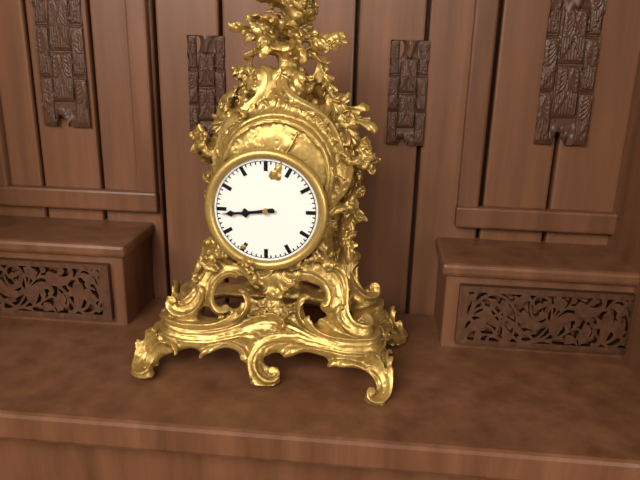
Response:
8.44
